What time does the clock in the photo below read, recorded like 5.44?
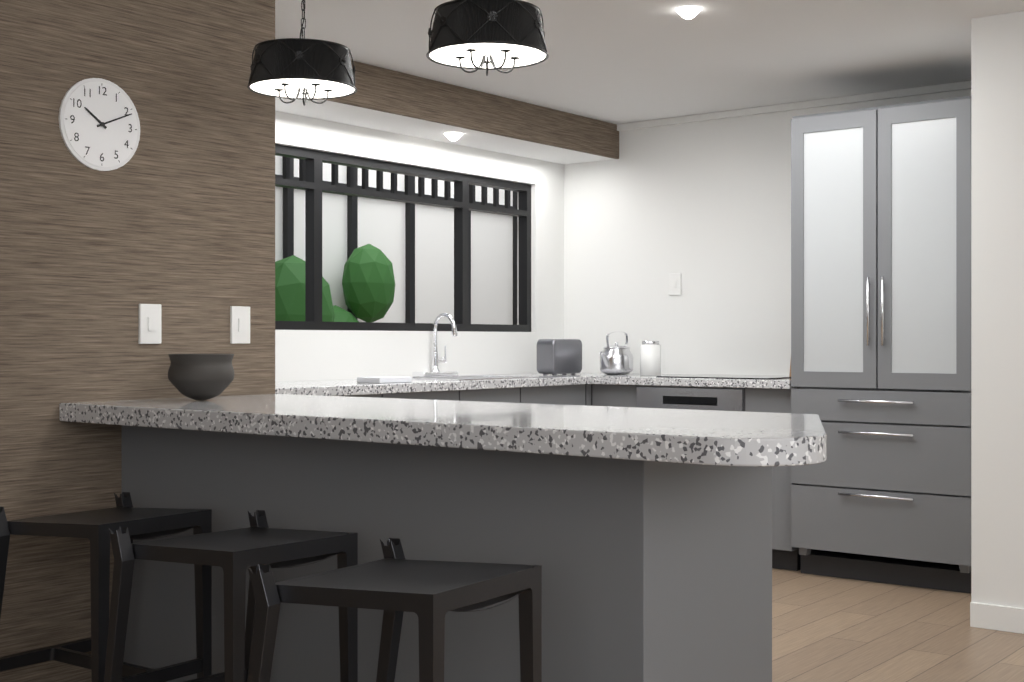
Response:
10.11
